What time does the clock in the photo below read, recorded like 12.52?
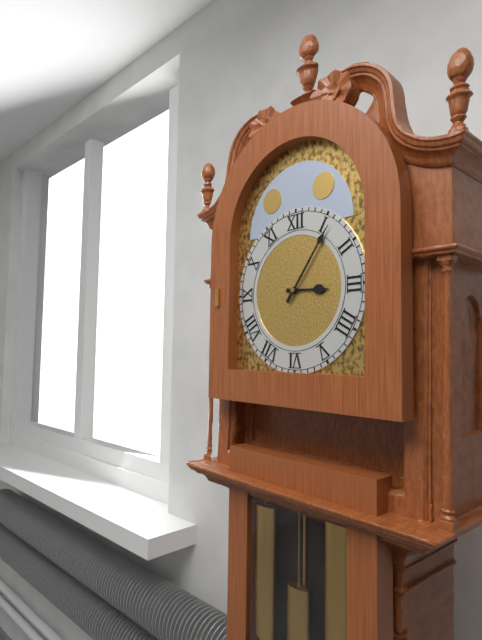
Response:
3.06
